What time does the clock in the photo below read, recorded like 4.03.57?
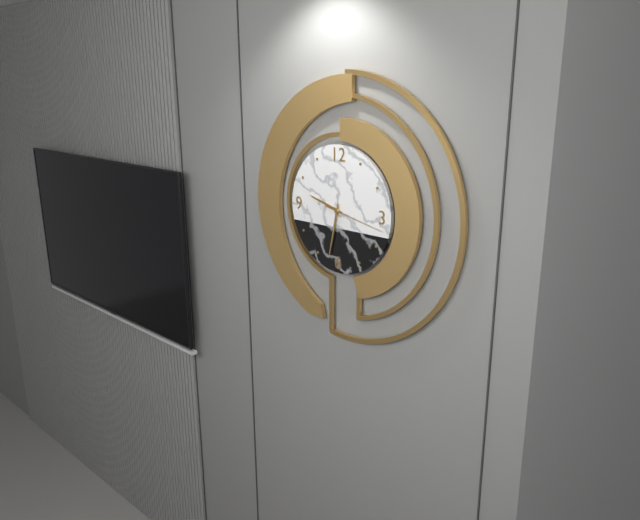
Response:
9.32.17
